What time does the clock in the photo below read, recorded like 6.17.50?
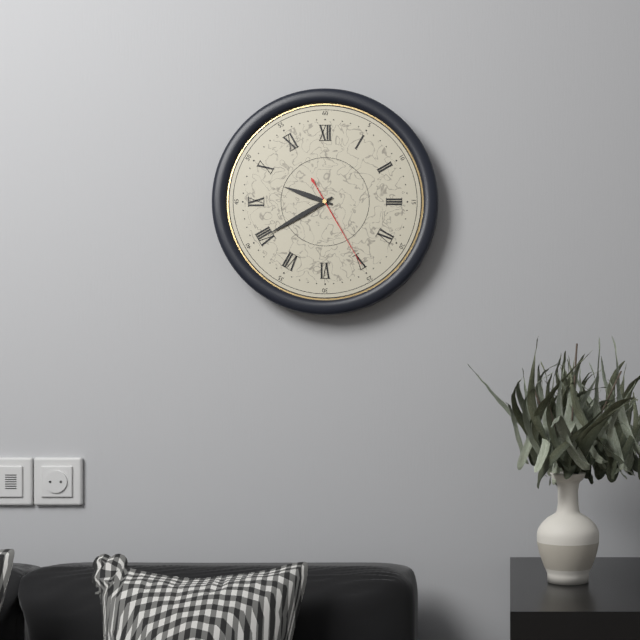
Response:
9.40.25
